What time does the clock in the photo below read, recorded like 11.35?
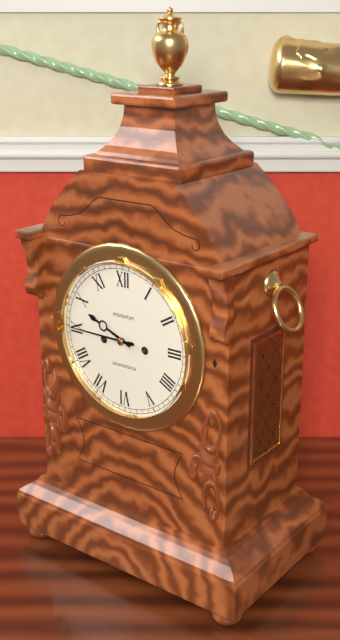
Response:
9.45
